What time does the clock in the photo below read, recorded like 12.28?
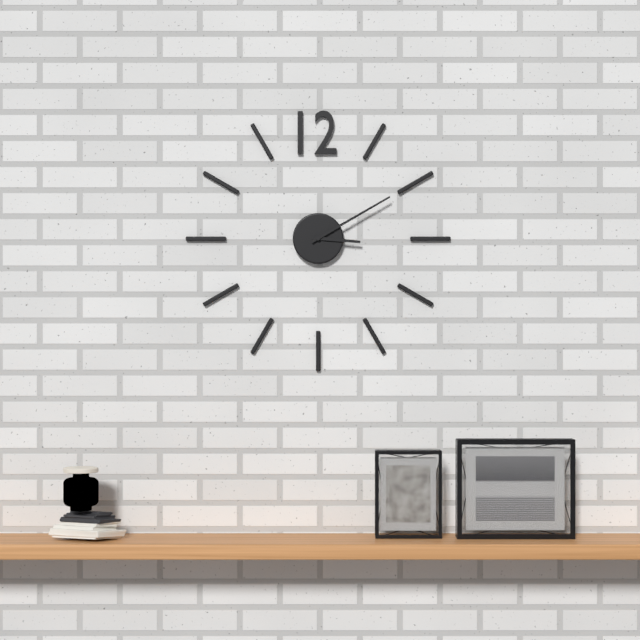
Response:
3.10
